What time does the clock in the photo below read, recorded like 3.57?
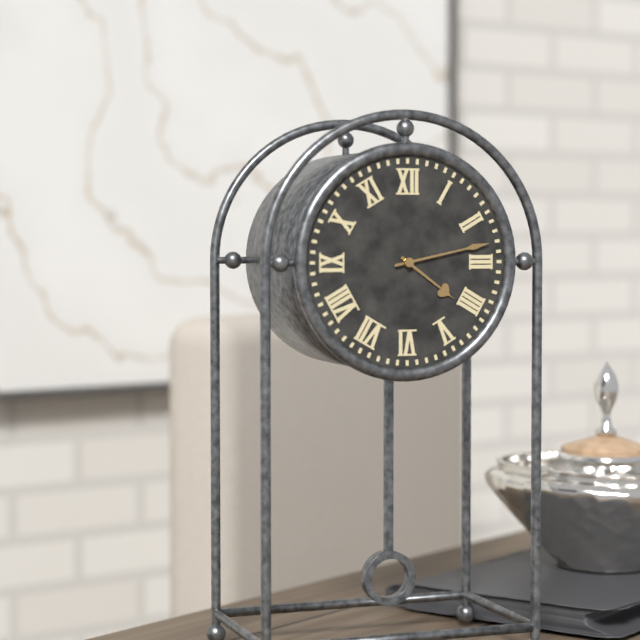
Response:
4.13
